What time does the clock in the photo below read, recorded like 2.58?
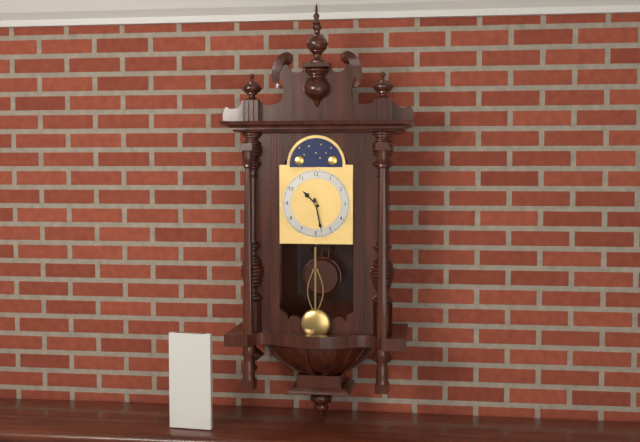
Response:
10.28
